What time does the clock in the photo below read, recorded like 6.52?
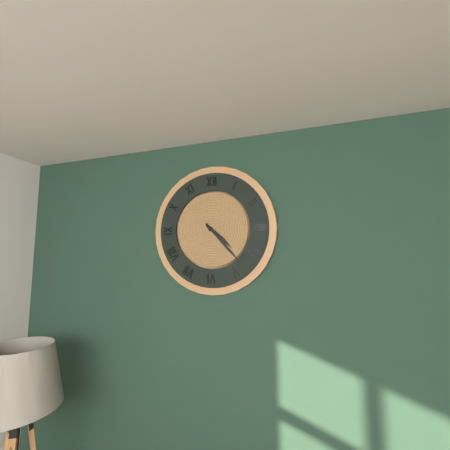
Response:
4.23
